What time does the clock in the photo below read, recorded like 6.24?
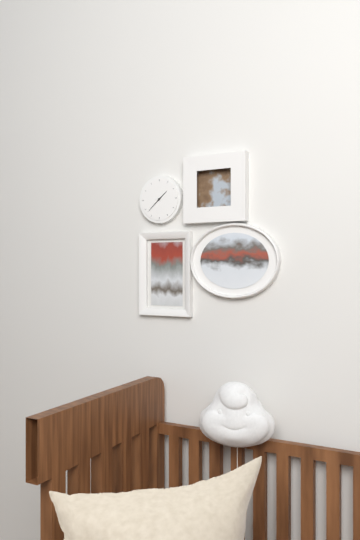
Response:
1.38
